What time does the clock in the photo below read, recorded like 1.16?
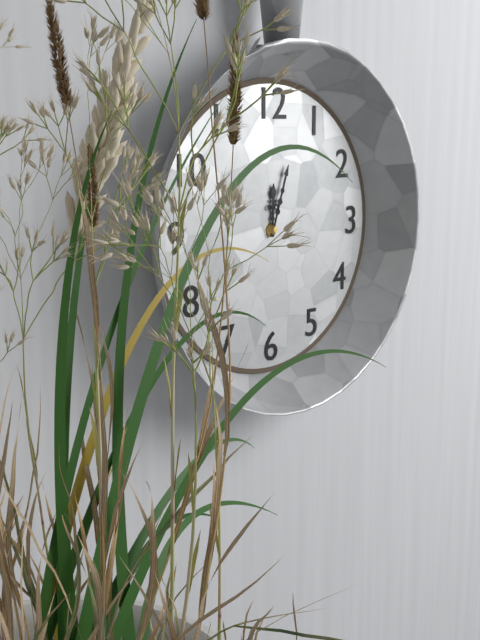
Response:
12.03
